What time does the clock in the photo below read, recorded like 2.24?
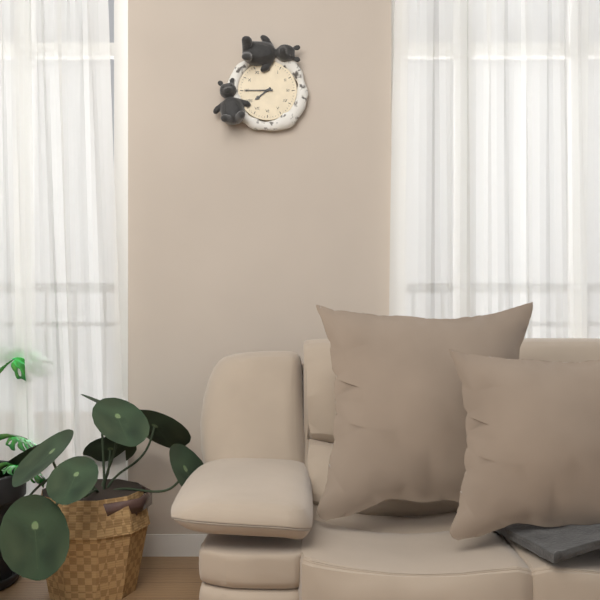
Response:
7.45
